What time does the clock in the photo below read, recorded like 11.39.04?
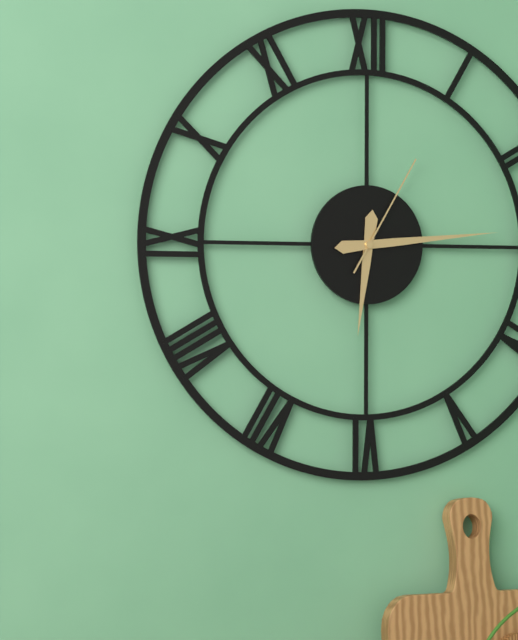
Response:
6.14.05
